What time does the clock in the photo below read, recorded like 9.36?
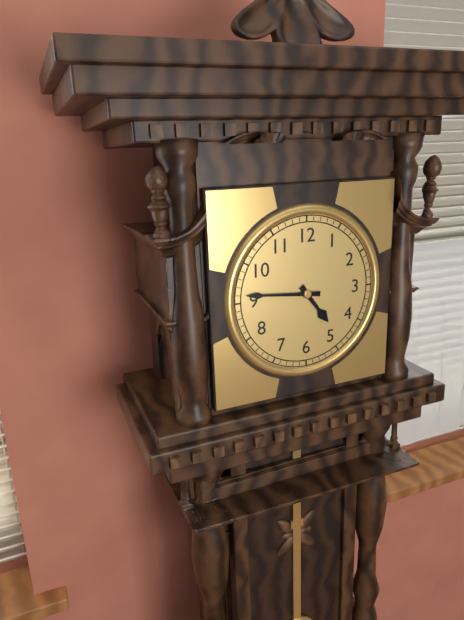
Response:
4.46
